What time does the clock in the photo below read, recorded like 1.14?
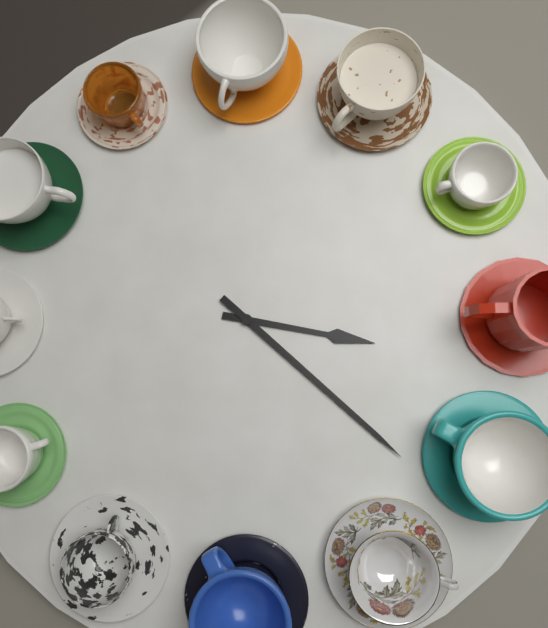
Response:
3.22
